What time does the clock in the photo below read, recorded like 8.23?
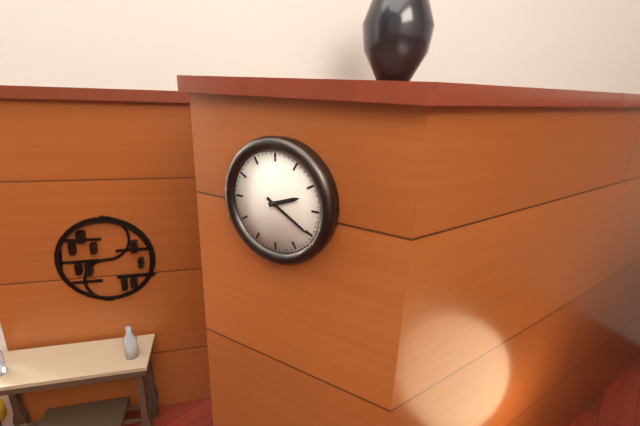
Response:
2.20
